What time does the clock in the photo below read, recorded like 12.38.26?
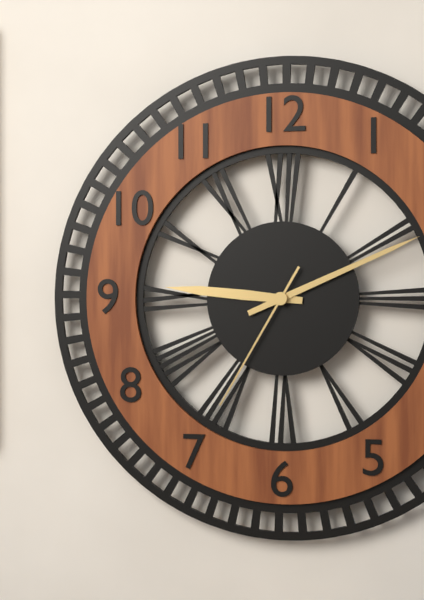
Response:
9.11.35
